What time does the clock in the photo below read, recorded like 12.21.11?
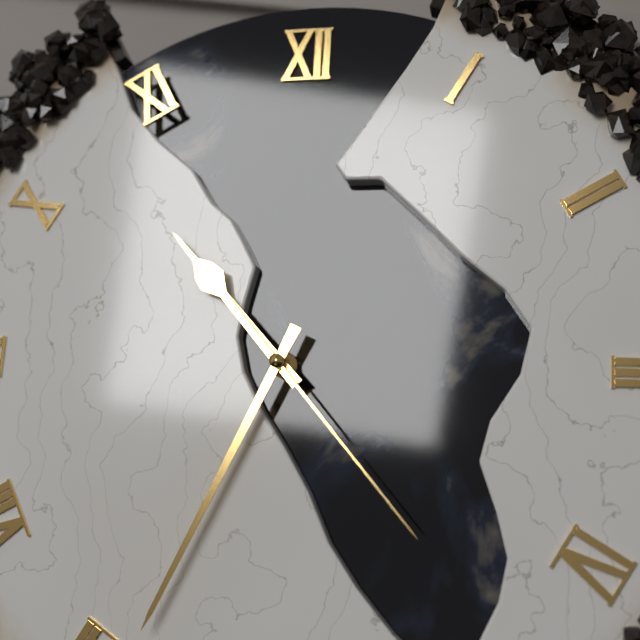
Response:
10.34.23
